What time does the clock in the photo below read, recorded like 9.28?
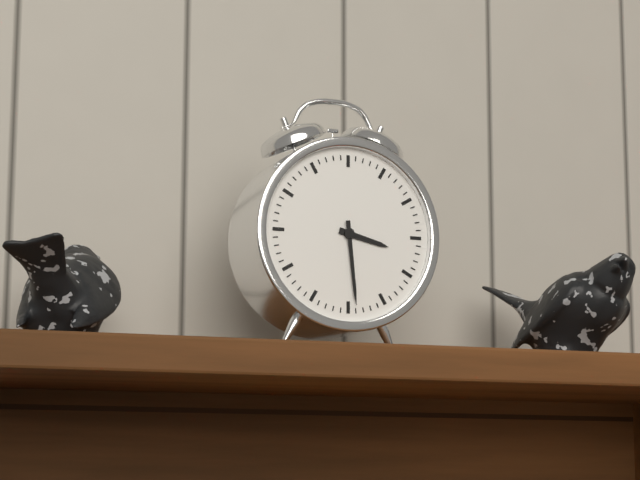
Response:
3.29
